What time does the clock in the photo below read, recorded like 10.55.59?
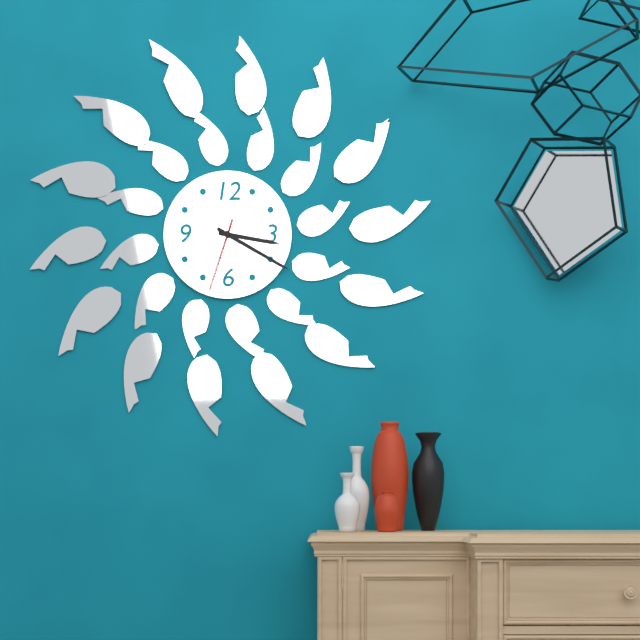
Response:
3.20.33
